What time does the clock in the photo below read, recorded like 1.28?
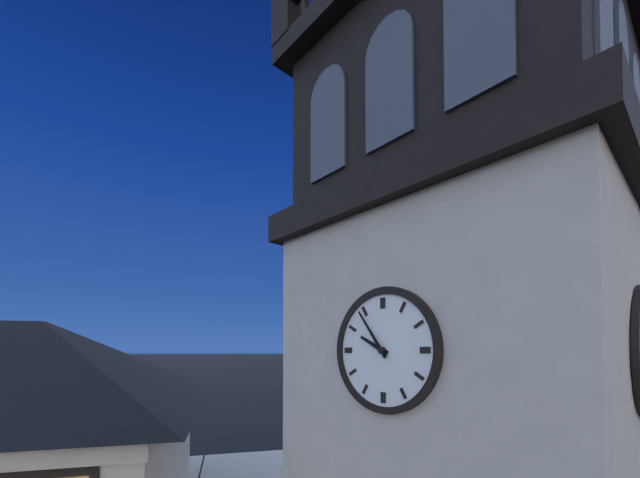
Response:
9.54
